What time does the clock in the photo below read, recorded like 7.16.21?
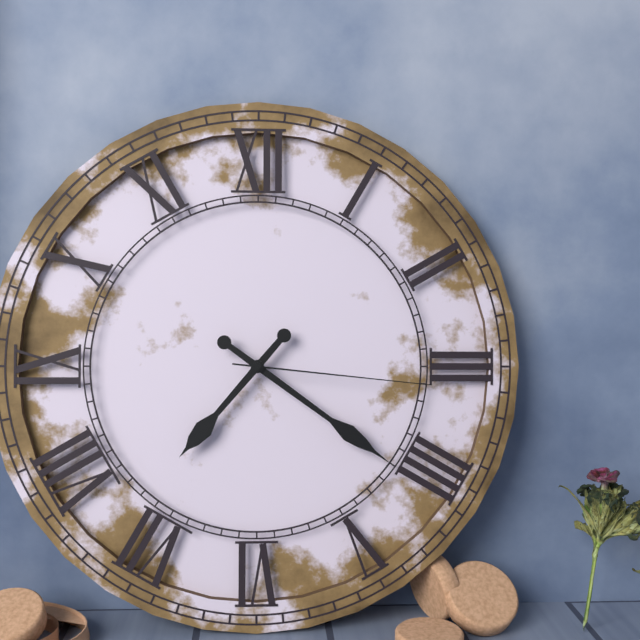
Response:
7.21.16
